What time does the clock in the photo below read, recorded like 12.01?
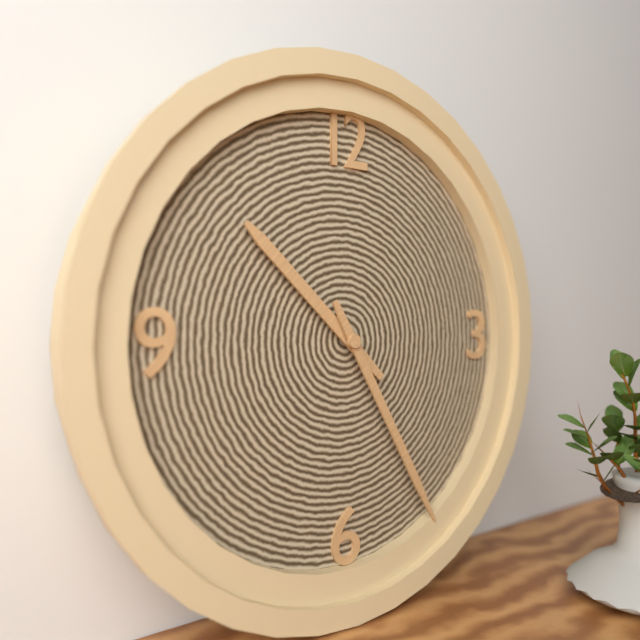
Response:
10.25
